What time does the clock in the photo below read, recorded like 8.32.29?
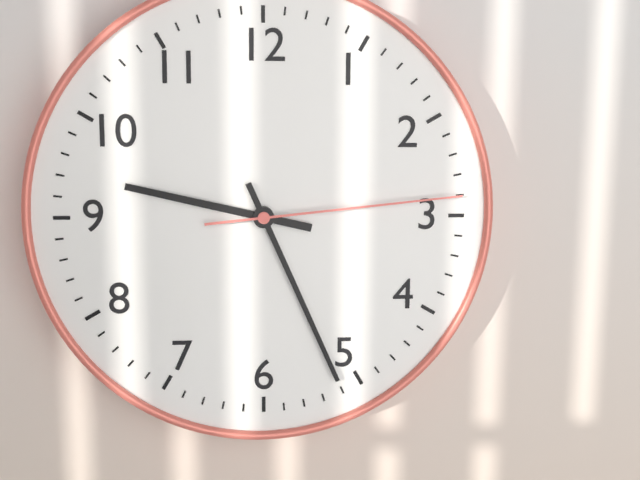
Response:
9.26.14
